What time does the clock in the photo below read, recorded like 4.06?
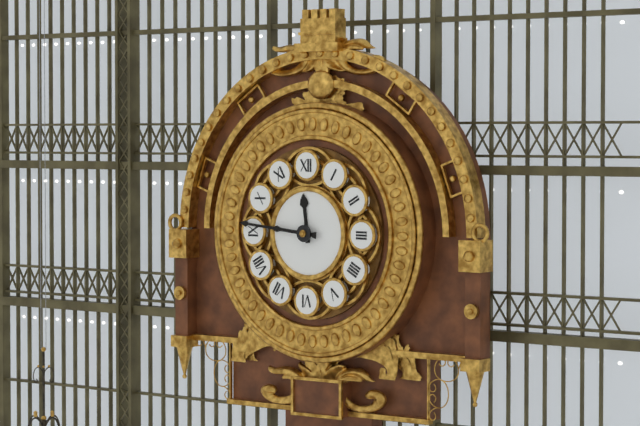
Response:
11.46
